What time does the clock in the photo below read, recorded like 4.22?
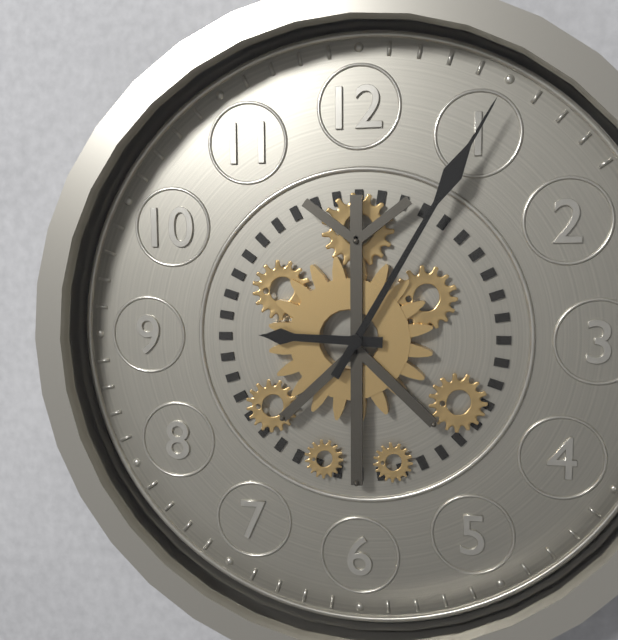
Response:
9.05
